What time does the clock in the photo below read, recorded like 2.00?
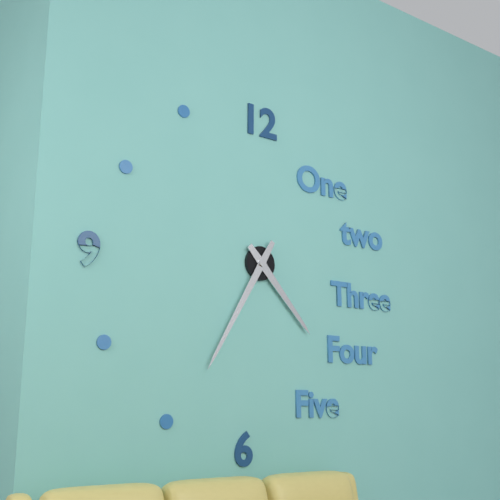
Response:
4.35
